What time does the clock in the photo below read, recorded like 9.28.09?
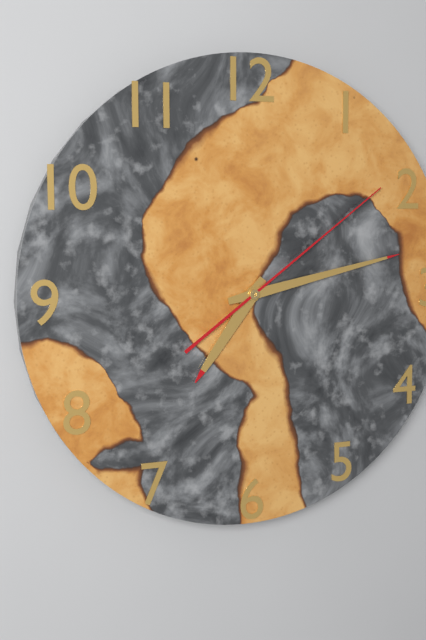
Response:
7.13.09
